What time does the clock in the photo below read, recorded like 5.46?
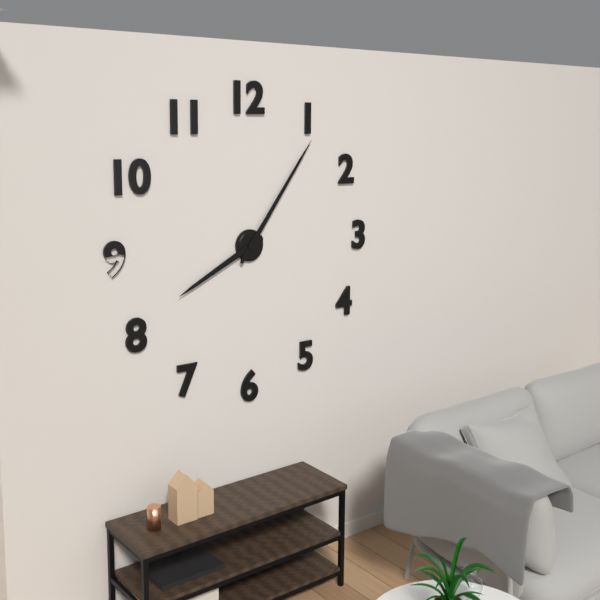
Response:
8.06
